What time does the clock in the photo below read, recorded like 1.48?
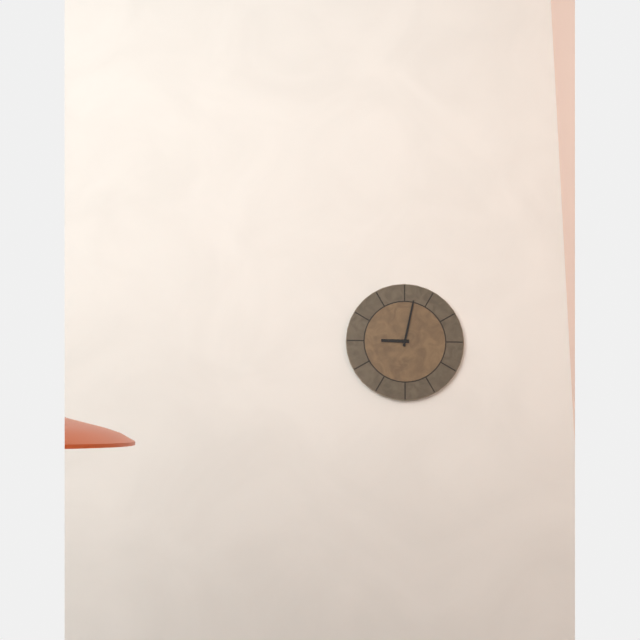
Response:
9.02
